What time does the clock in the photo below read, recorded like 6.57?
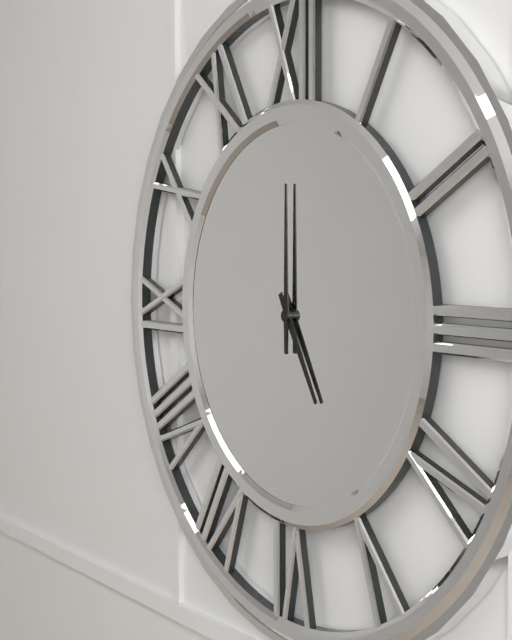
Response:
5.00
